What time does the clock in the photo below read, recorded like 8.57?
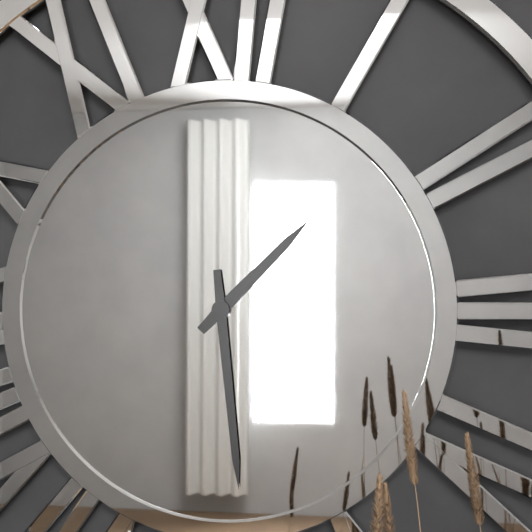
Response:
1.29
